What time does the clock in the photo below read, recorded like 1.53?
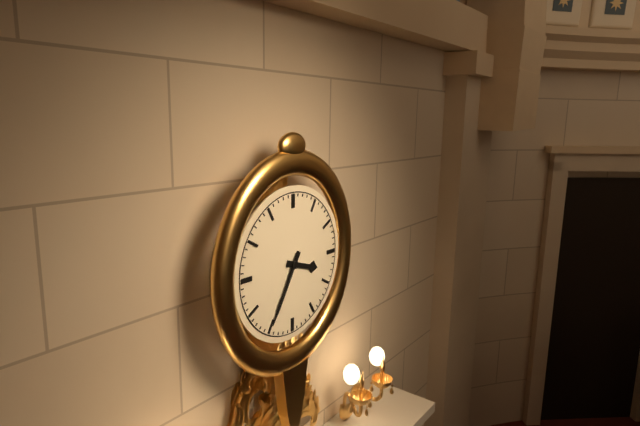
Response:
3.35
